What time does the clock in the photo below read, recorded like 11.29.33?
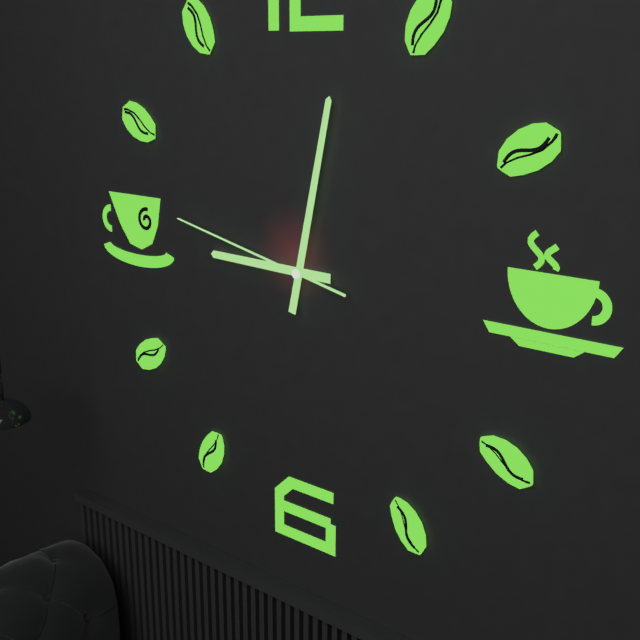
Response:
9.02.47
